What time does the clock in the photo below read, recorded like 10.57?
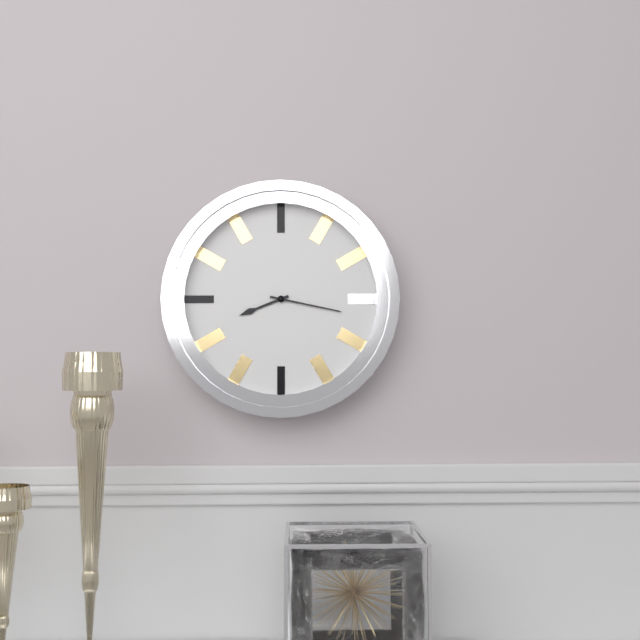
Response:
8.17
